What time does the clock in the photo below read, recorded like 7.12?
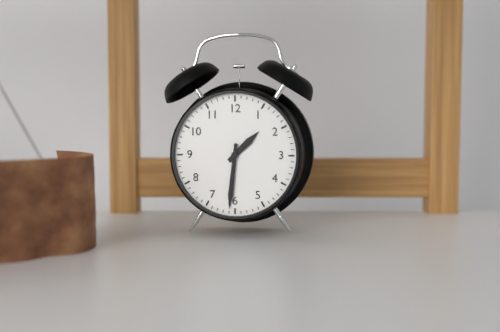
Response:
1.31
